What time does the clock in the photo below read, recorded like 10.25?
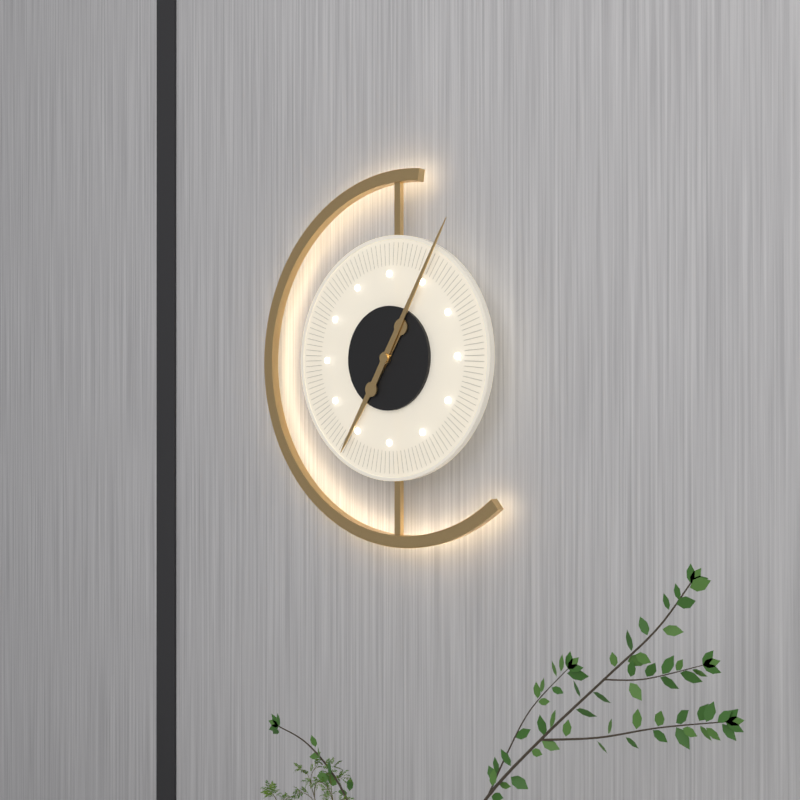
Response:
7.05
